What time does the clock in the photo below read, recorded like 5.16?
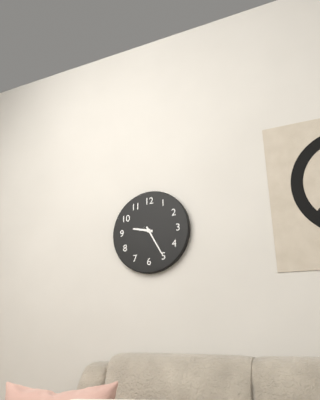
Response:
9.25
